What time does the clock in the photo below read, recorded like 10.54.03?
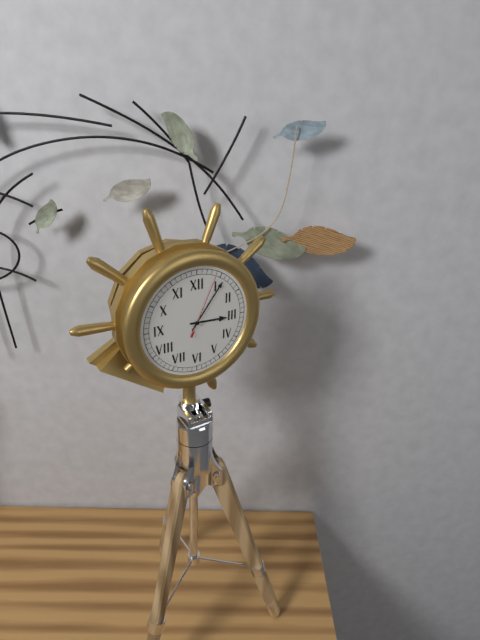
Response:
3.06.04
